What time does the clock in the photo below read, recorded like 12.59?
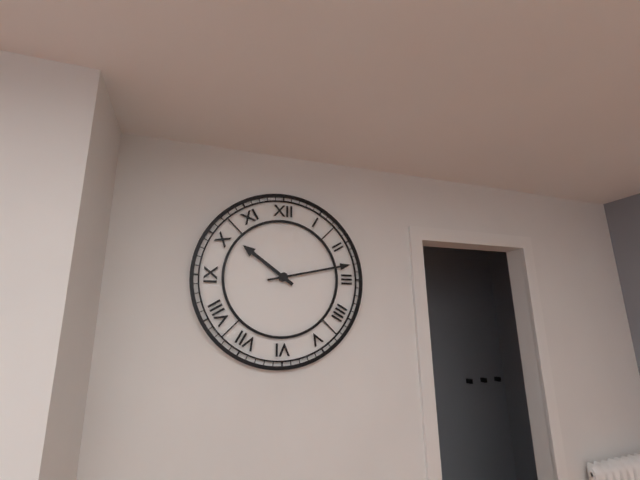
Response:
10.13
